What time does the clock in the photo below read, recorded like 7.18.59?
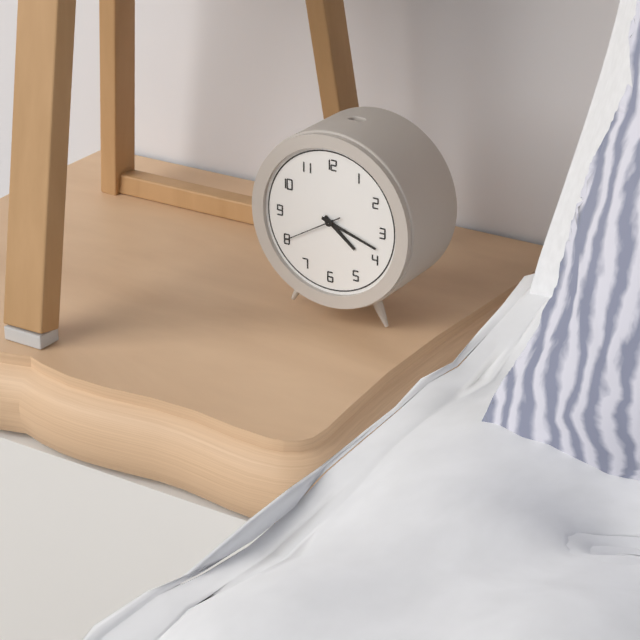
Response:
4.18.40
